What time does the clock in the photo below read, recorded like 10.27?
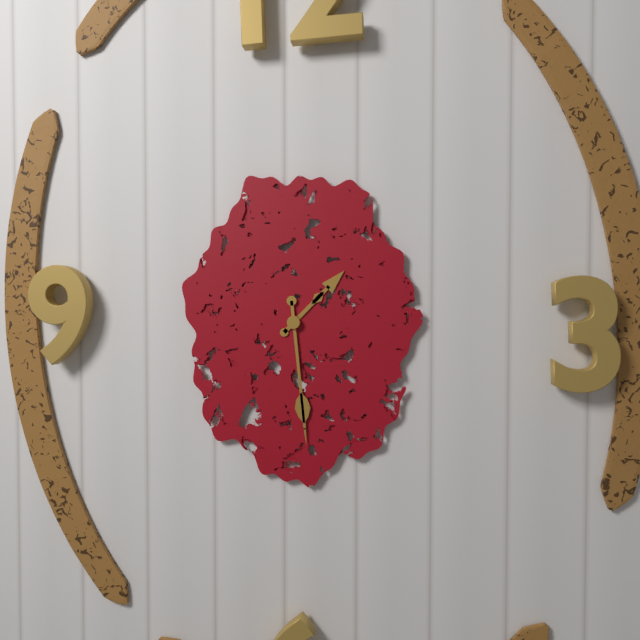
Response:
1.29
